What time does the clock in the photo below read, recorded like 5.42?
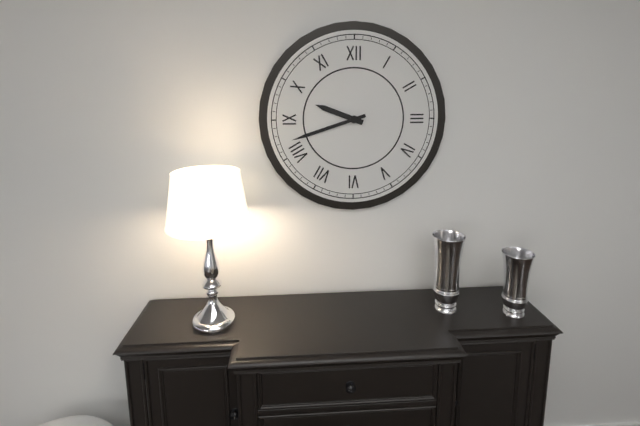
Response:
9.42
